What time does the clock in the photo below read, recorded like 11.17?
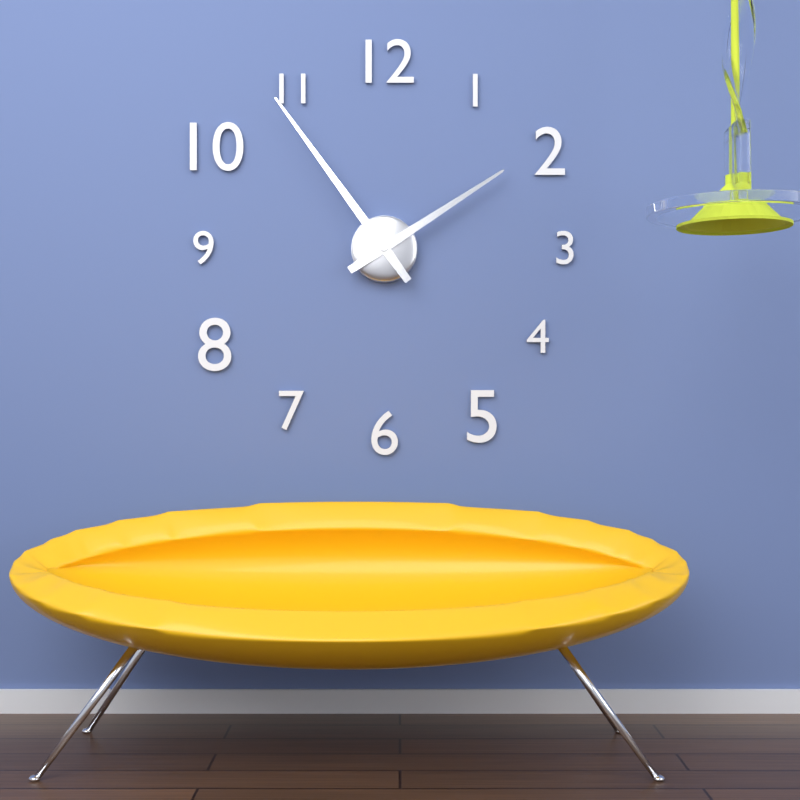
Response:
1.54
